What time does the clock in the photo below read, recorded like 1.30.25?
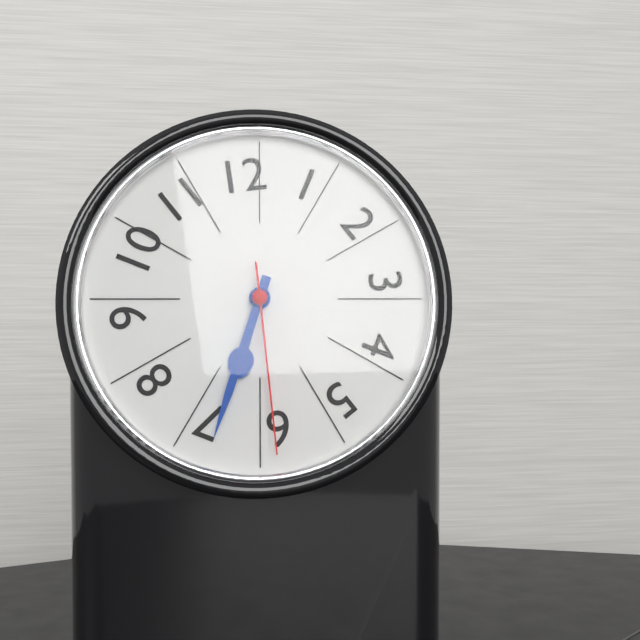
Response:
6.33.29
